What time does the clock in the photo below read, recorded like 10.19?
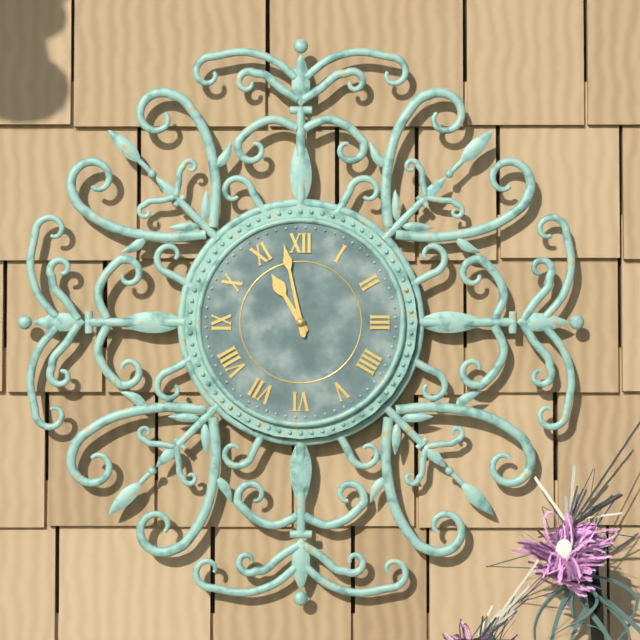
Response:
10.58
